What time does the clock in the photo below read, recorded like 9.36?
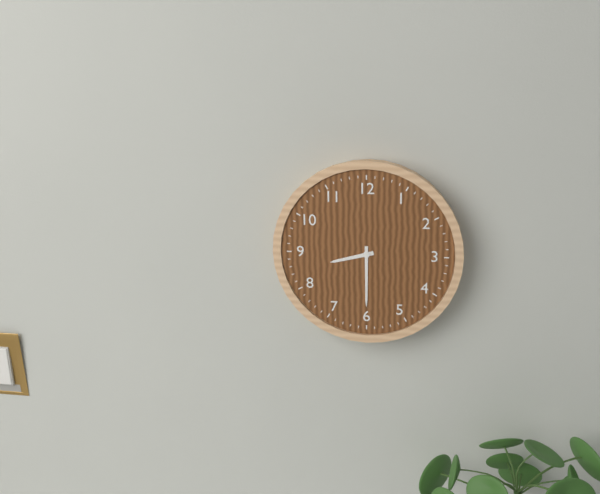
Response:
8.30
